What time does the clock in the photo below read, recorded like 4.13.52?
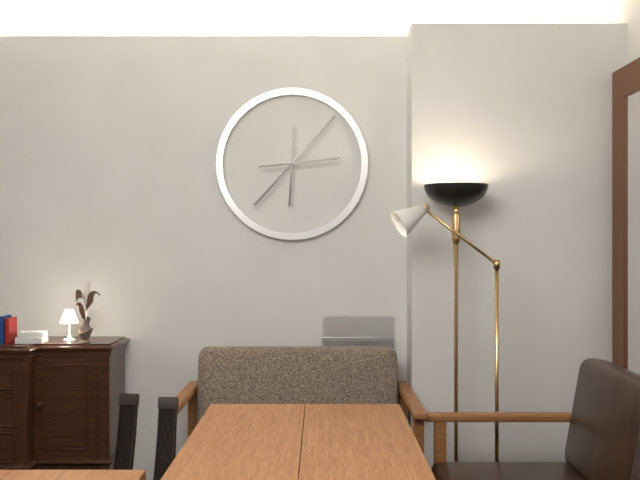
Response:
6.07.14
